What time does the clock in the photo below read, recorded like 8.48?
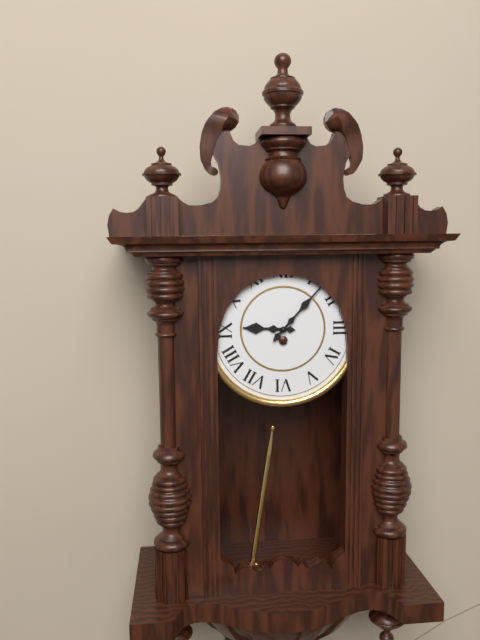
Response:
9.07
